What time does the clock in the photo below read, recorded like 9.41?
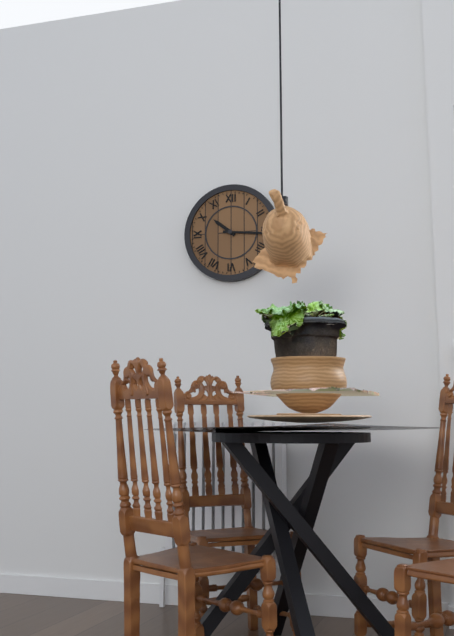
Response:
10.16
